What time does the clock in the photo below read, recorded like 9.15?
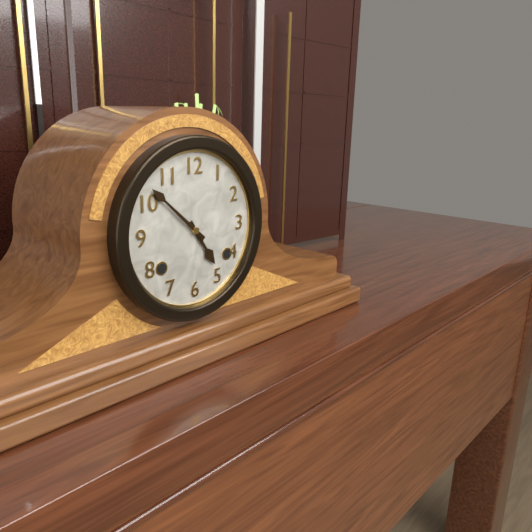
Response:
4.52
